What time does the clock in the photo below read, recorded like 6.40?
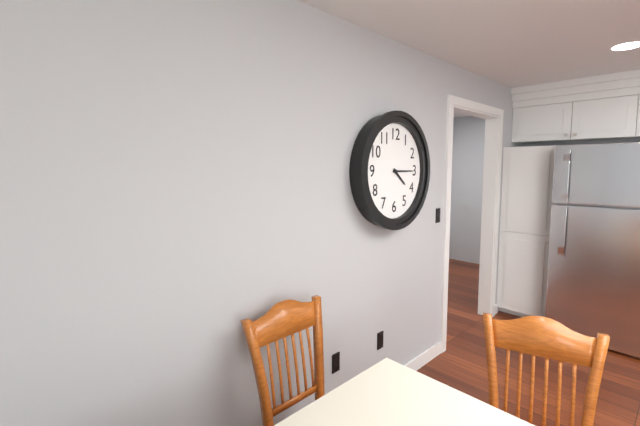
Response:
4.15
